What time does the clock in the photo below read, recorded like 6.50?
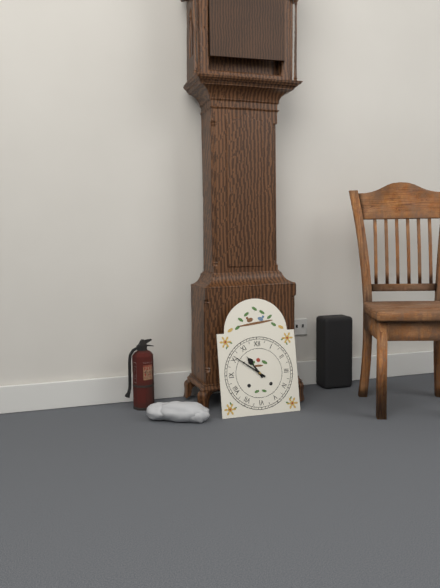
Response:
10.51
